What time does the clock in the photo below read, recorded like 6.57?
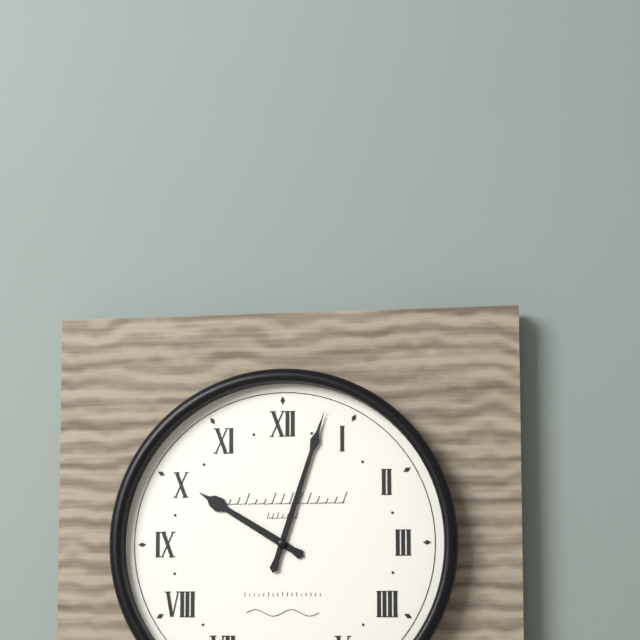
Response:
10.03
